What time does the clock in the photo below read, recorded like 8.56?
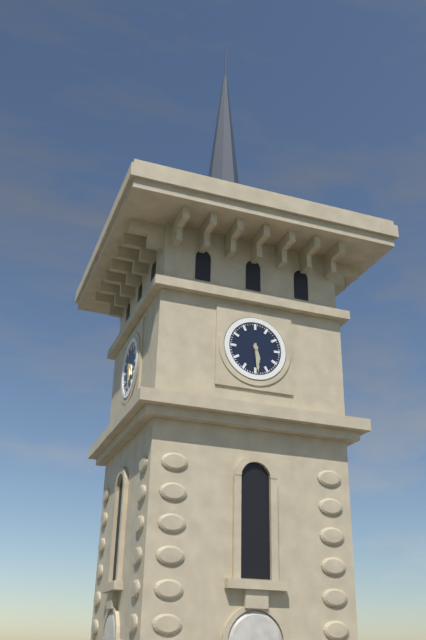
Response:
5.29
